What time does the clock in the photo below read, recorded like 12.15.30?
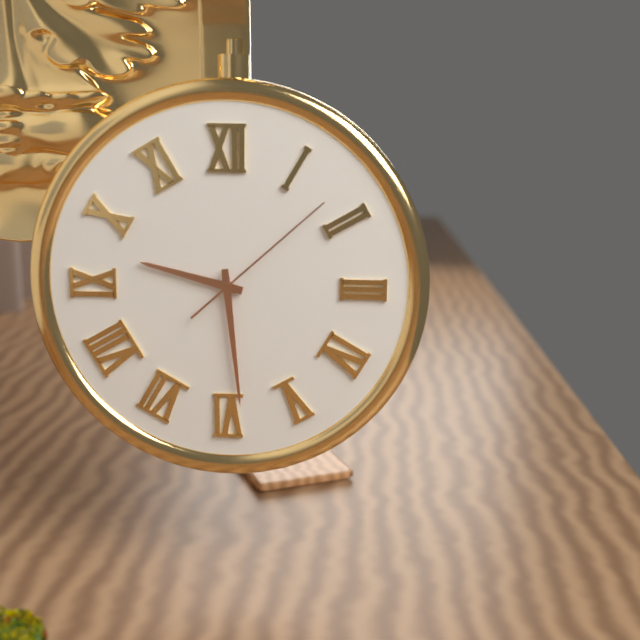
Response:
9.29.08
